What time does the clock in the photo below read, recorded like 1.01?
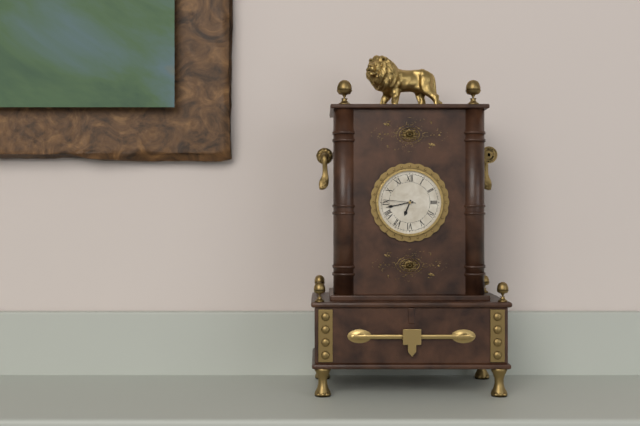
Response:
6.43
